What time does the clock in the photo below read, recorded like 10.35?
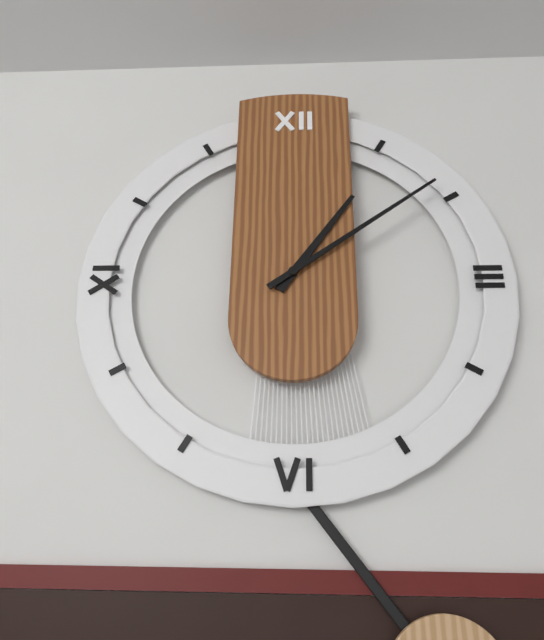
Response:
1.09
